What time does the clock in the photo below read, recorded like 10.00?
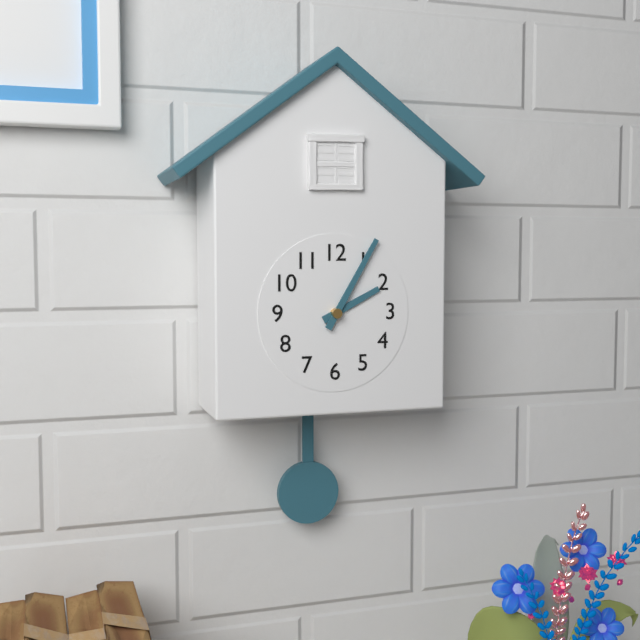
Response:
2.05
